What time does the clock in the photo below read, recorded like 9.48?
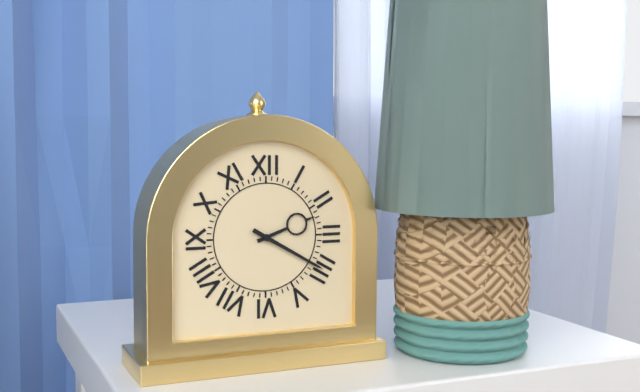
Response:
2.20
